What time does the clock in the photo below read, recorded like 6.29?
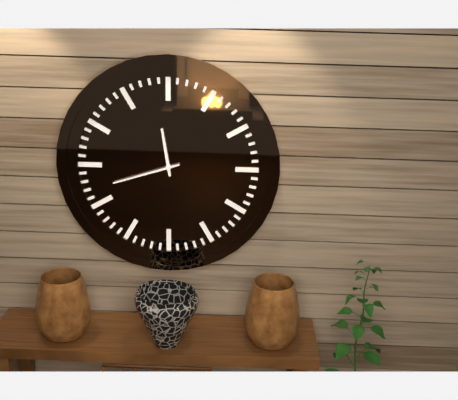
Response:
11.42
